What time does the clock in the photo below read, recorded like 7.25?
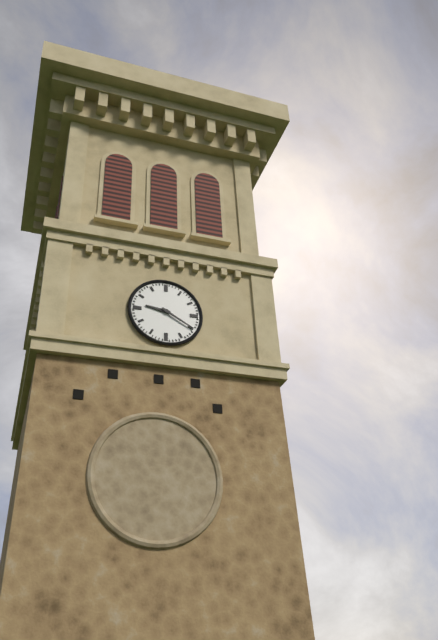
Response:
9.20
